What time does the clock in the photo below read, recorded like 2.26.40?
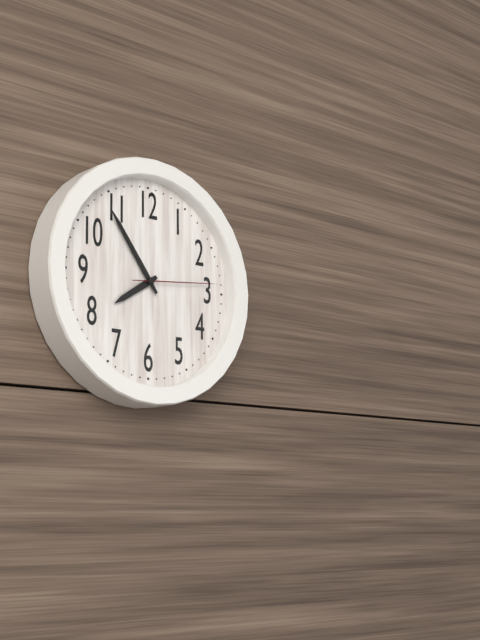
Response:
7.54.14
